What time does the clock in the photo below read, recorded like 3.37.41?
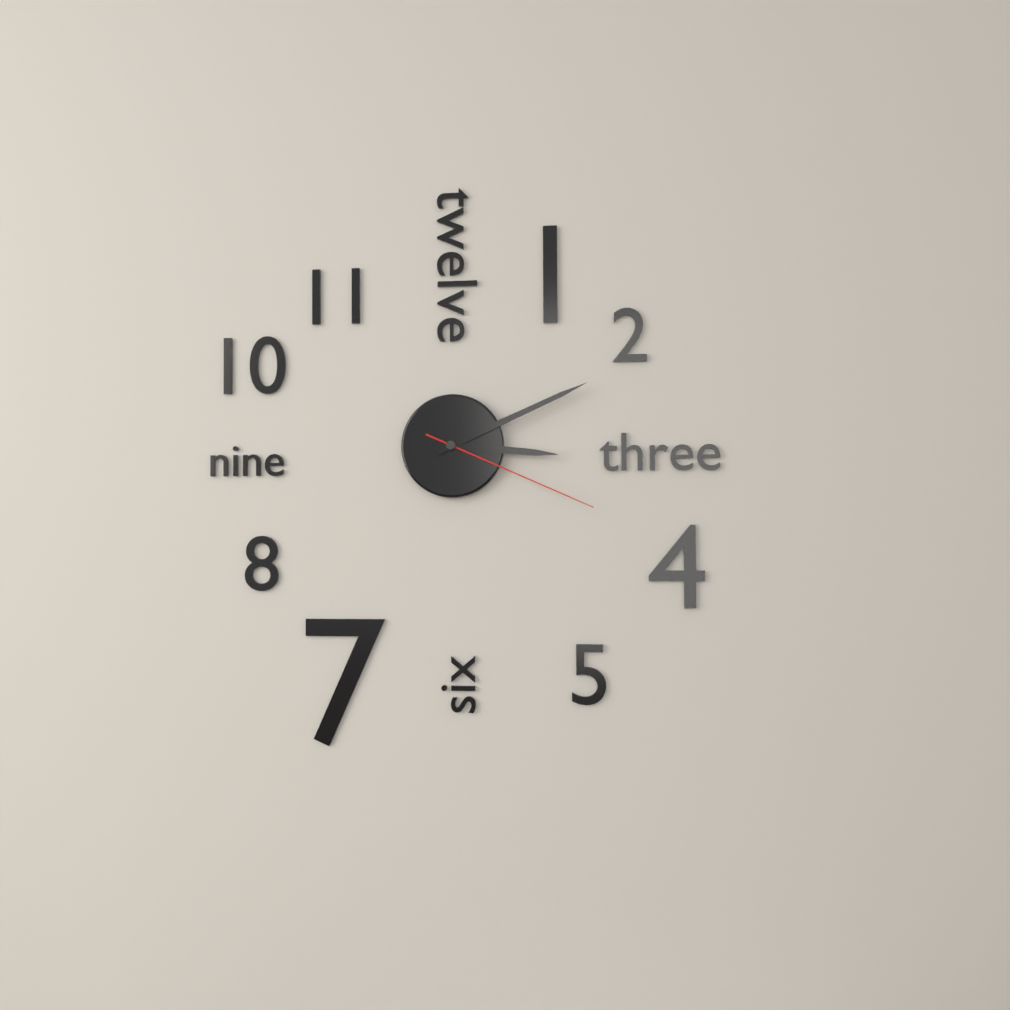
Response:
3.11.19
